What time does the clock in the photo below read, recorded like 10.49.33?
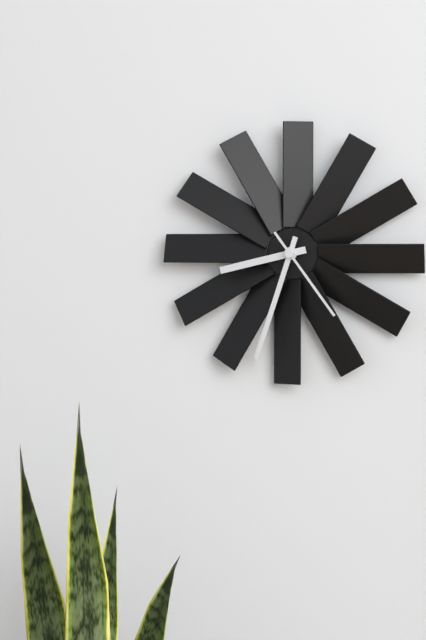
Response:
8.33.24
